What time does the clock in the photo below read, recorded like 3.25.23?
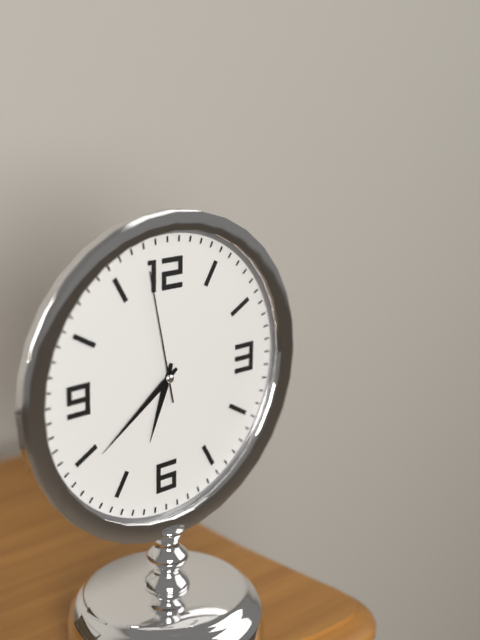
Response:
6.39.58
